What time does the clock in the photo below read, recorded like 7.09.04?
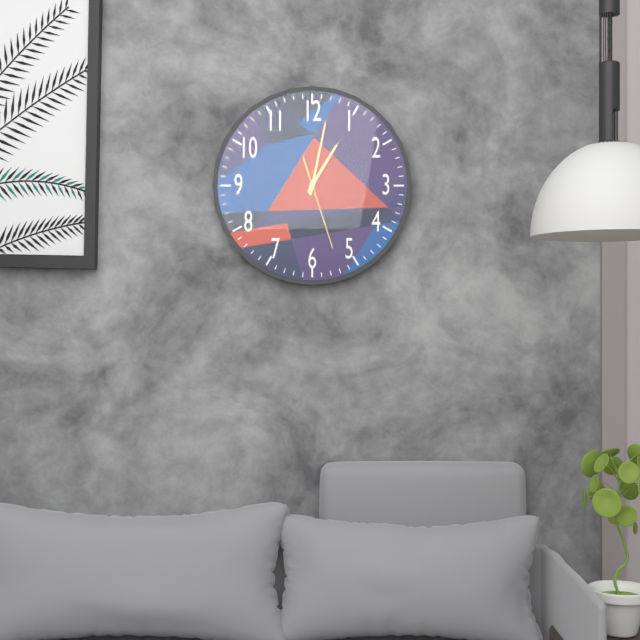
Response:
1.02.27
